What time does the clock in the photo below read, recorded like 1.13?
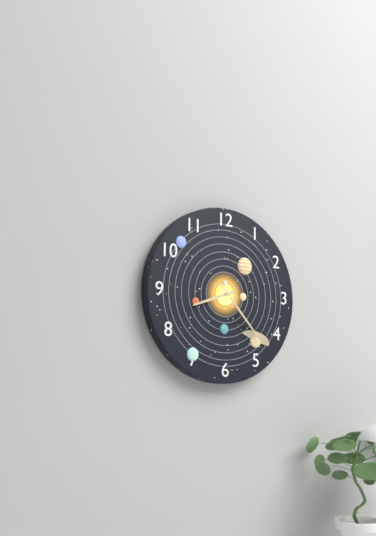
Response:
8.23
